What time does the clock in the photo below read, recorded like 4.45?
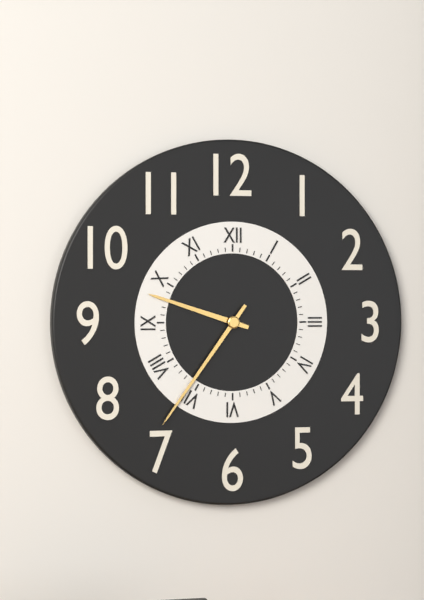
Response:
9.36
